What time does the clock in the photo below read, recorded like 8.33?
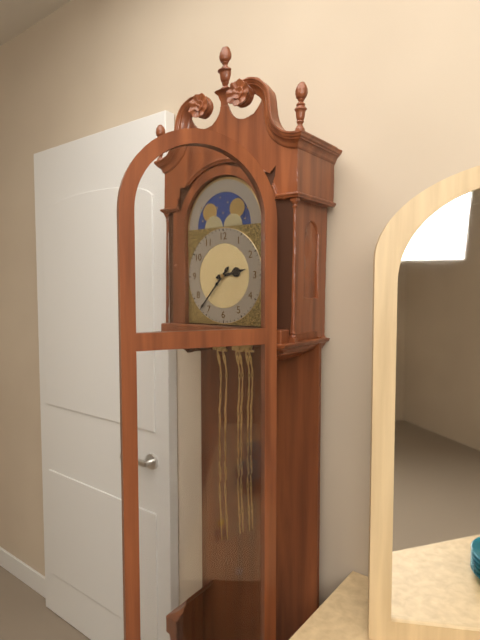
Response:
2.37
